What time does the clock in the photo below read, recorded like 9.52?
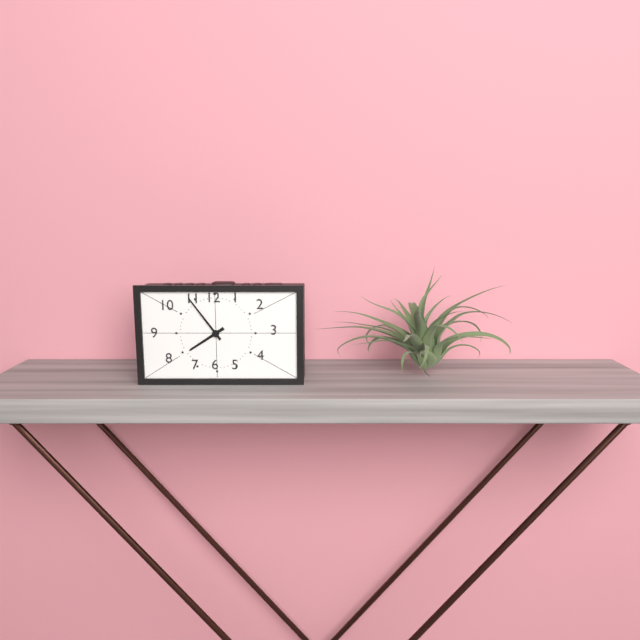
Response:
7.54
